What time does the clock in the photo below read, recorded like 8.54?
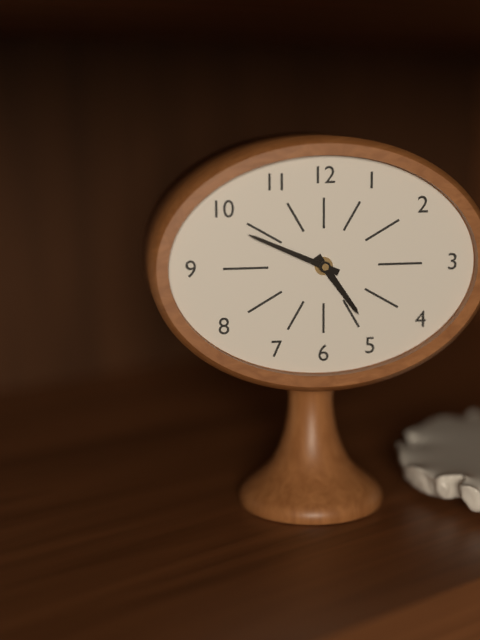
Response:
4.49
